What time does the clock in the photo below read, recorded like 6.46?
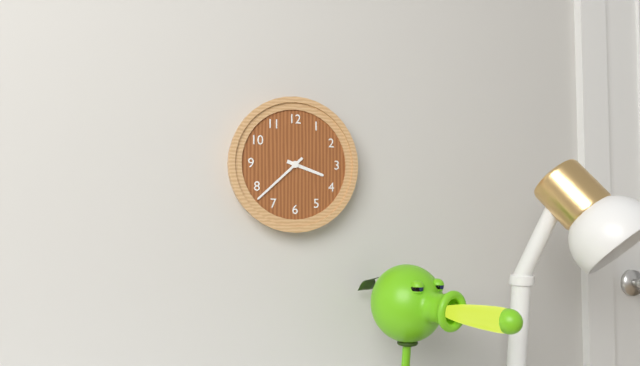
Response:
3.38
